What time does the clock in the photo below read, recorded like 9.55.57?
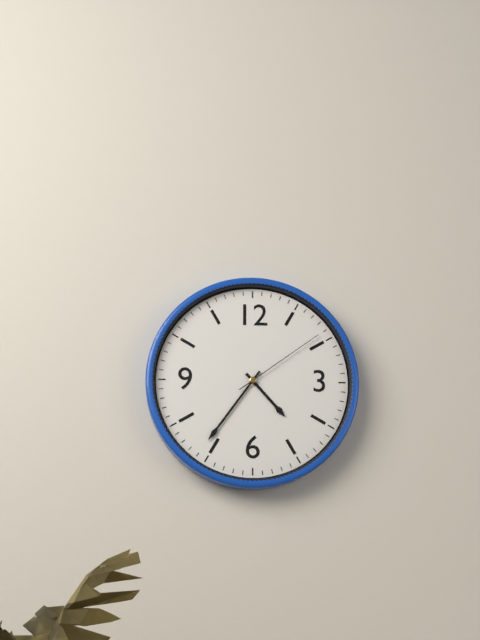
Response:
4.36.09
